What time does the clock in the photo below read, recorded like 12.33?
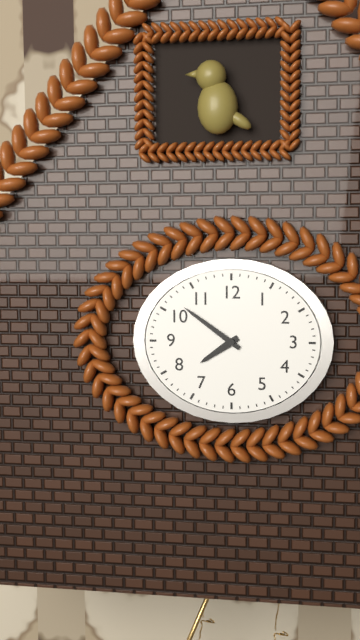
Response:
7.51
